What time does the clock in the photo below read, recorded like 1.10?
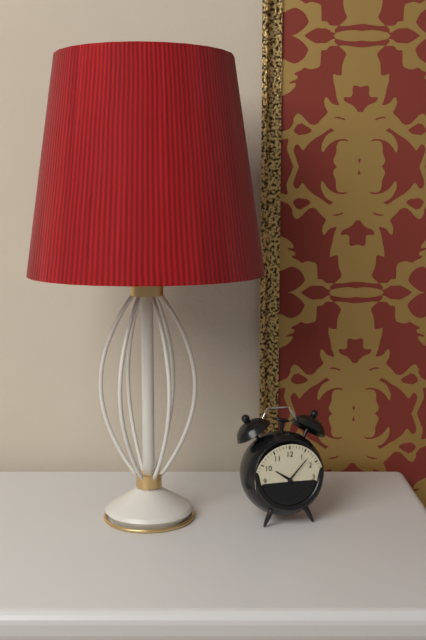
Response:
10.07
